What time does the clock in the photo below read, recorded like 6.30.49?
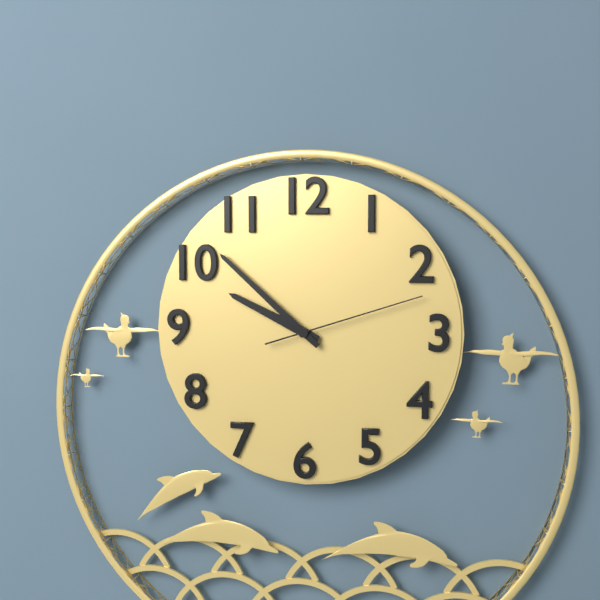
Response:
9.52.12
